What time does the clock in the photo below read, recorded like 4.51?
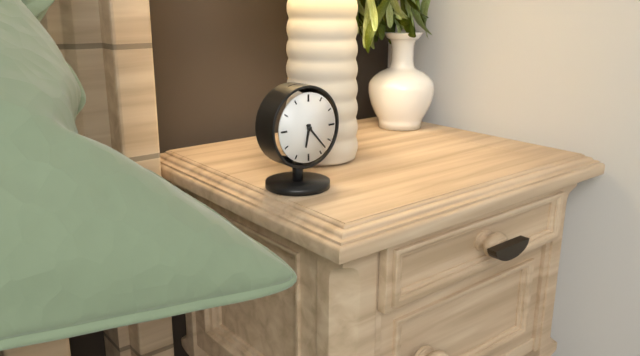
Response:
6.23
